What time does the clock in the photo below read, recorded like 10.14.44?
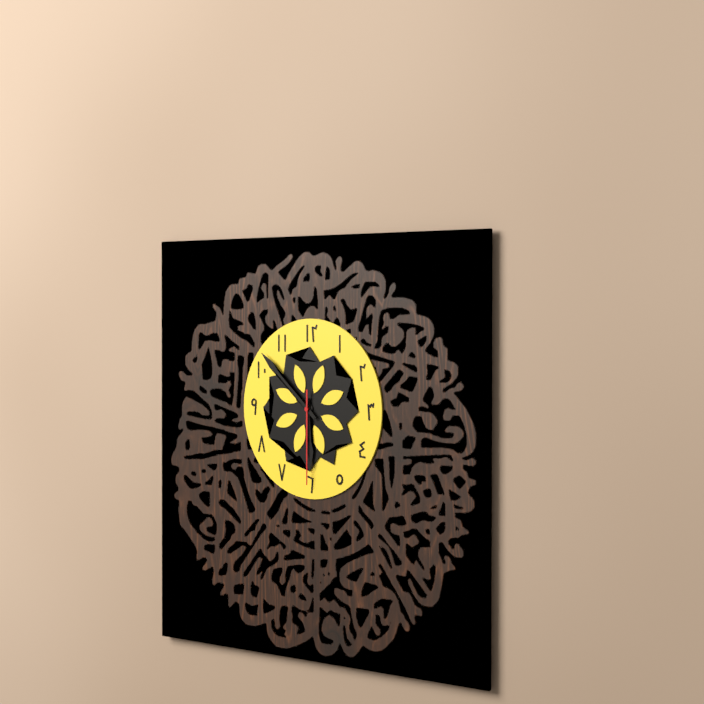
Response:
5.52.30
